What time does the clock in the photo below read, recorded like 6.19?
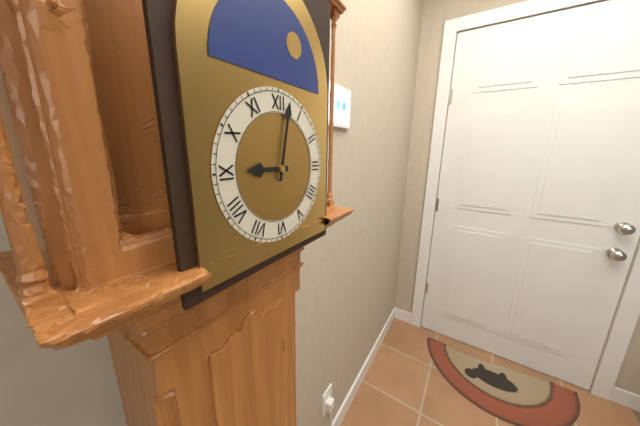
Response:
9.02
